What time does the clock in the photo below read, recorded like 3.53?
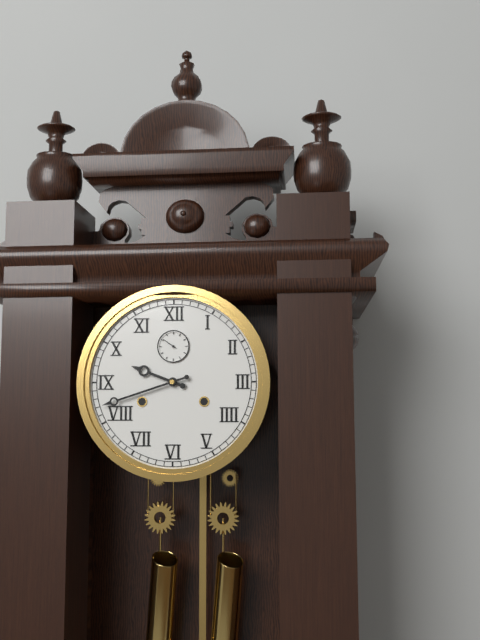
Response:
9.42
